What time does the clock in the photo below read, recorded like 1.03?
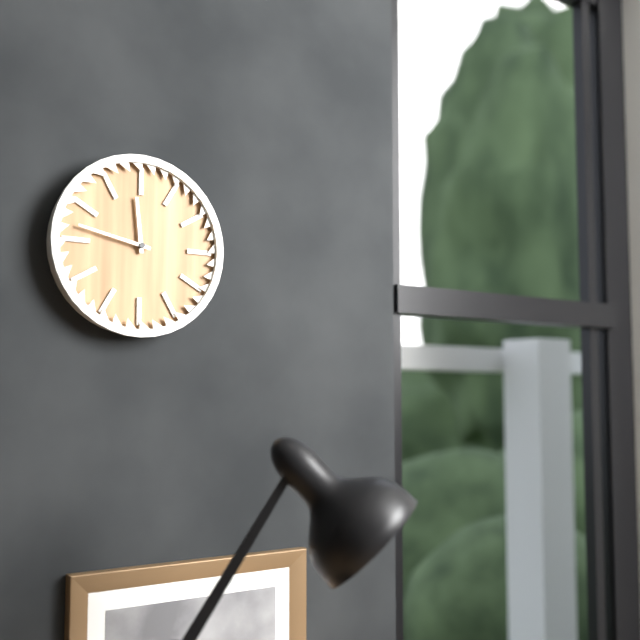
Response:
11.47
